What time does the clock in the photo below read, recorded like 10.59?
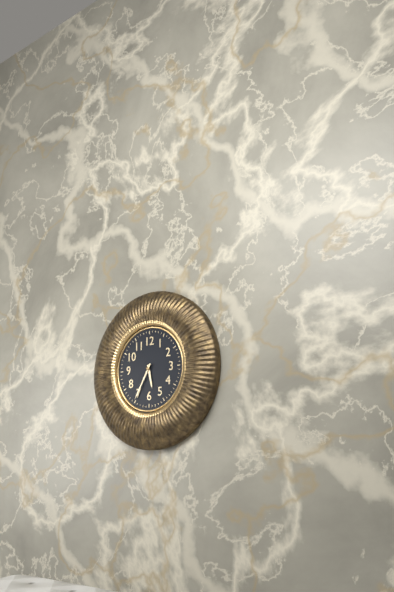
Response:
5.35
